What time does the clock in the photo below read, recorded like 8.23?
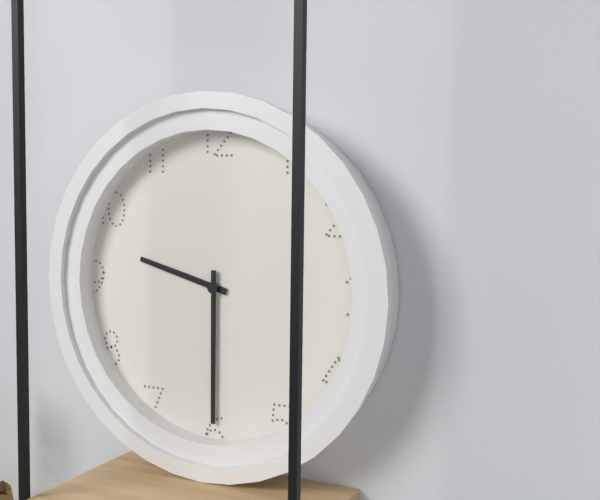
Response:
9.30
